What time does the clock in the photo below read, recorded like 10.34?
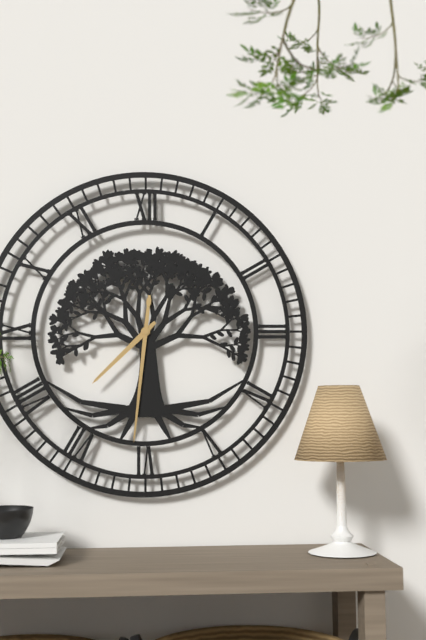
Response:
7.31
